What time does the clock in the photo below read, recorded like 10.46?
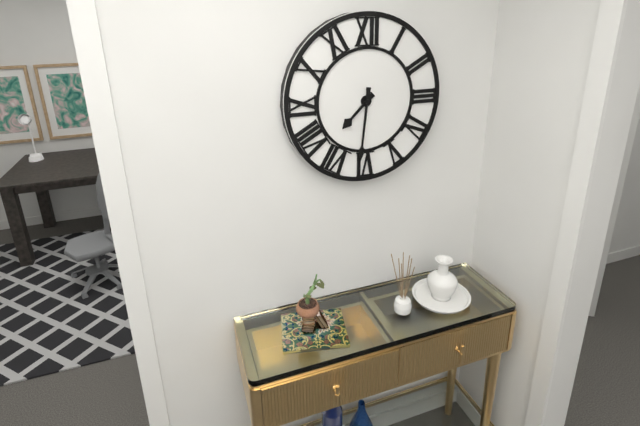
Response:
7.31
